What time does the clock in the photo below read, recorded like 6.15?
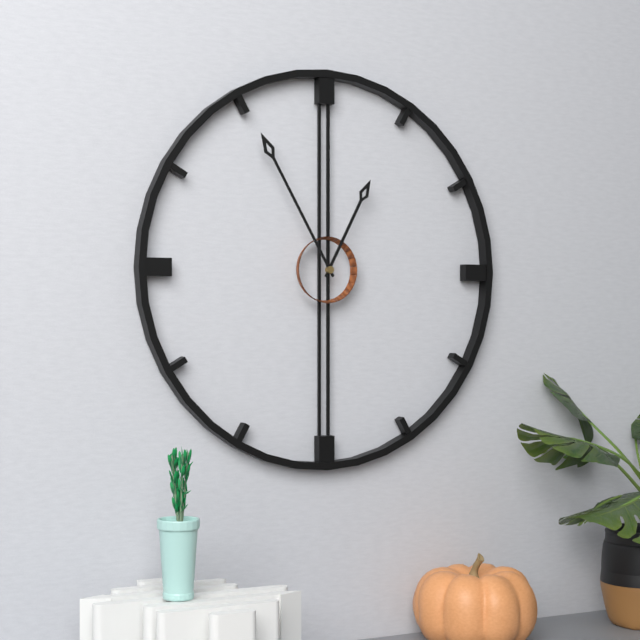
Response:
12.55
